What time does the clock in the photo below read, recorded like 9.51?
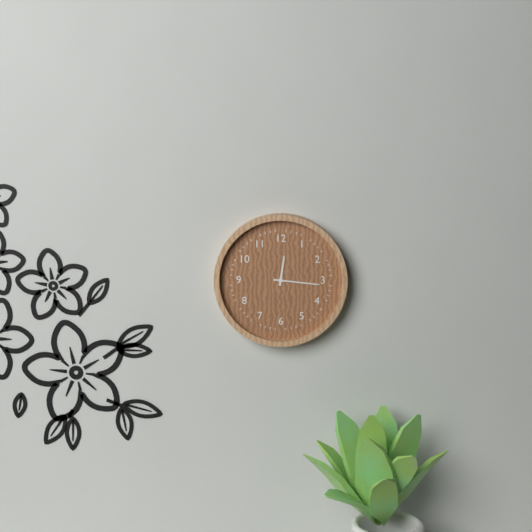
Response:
12.16
